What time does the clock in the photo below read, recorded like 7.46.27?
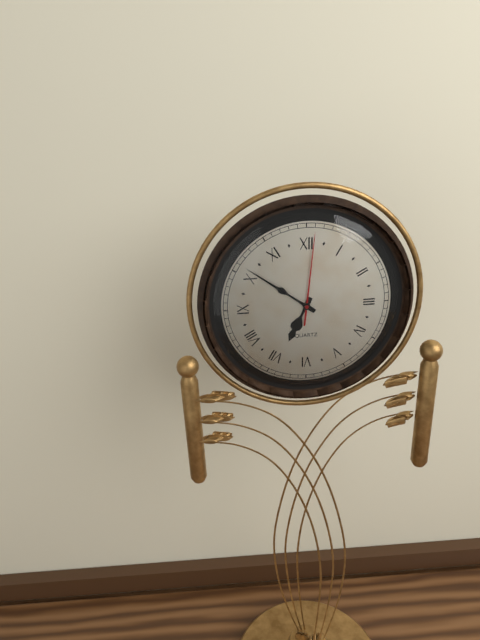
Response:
6.51.01
